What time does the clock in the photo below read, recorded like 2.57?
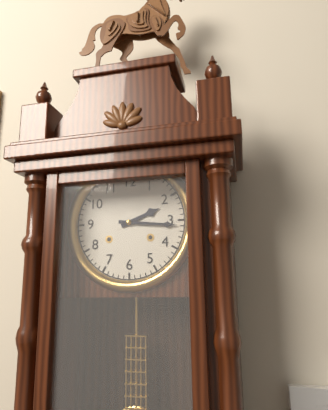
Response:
2.16
